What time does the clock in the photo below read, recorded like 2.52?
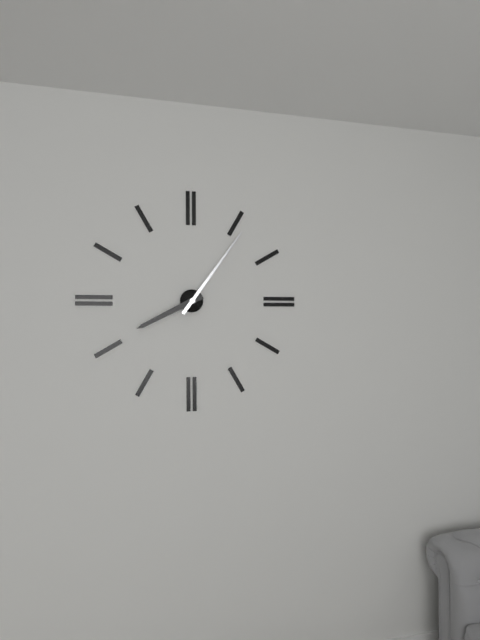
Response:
8.06
